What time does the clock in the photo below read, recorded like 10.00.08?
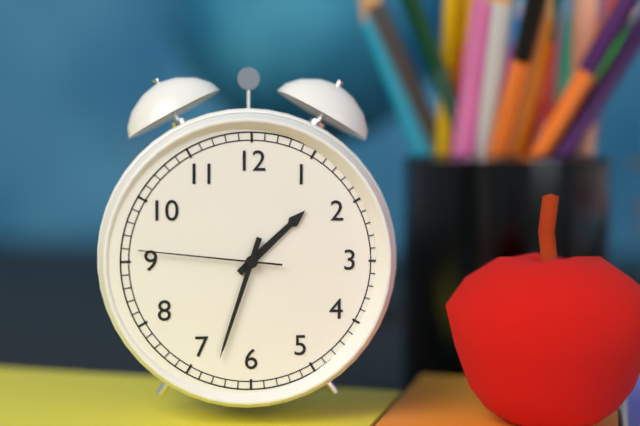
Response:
1.33.46
